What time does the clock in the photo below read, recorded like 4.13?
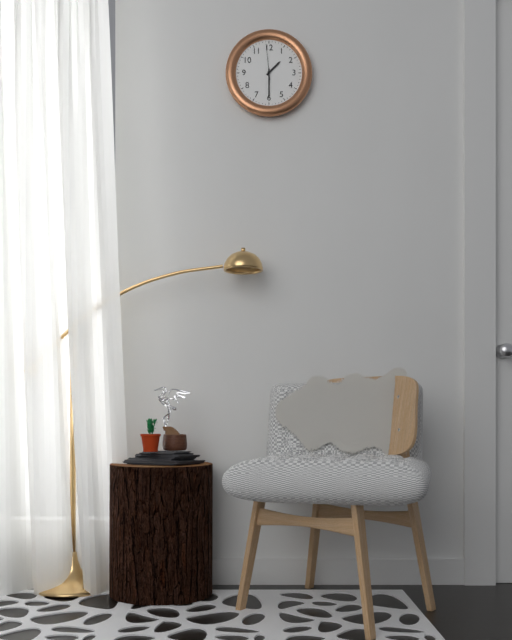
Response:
1.30
